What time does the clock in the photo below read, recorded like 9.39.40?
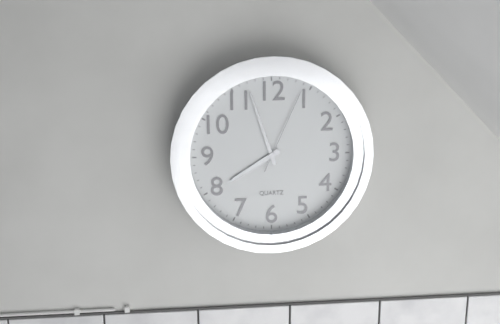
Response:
7.57.04
